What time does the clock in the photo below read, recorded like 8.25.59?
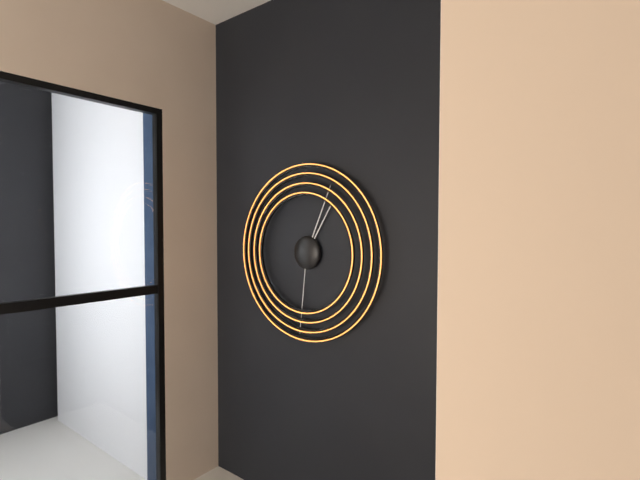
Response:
1.04.31
